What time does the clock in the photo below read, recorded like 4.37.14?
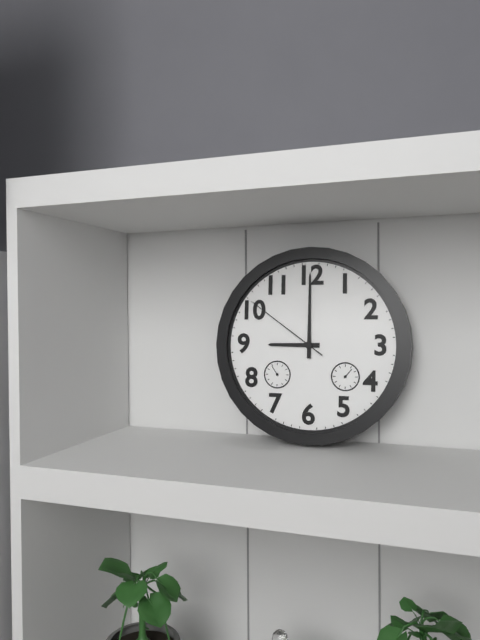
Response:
9.00.51
